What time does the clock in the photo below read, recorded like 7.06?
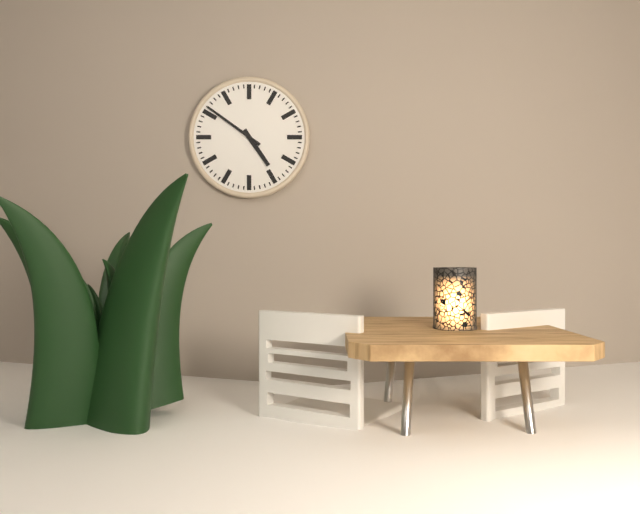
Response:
4.51
